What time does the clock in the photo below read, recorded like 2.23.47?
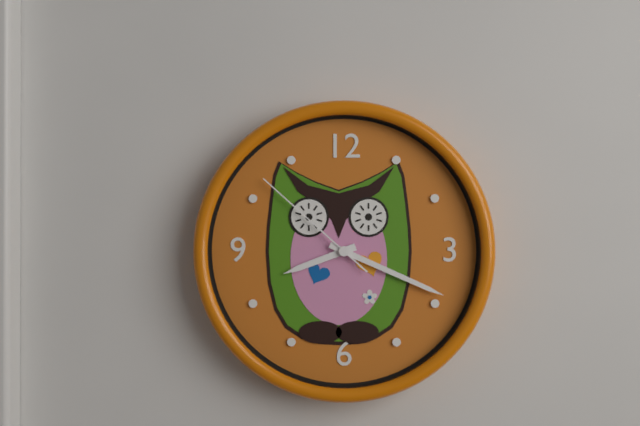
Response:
8.19.52
